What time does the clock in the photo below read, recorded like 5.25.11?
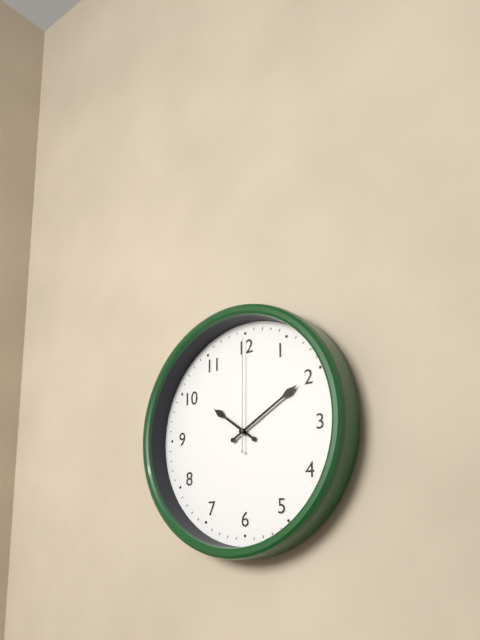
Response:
10.10.00
